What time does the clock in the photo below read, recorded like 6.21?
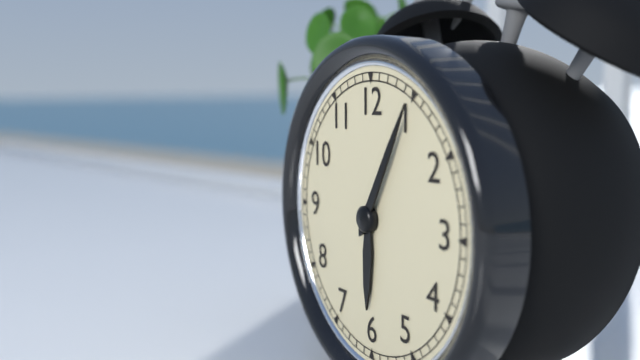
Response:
6.05
